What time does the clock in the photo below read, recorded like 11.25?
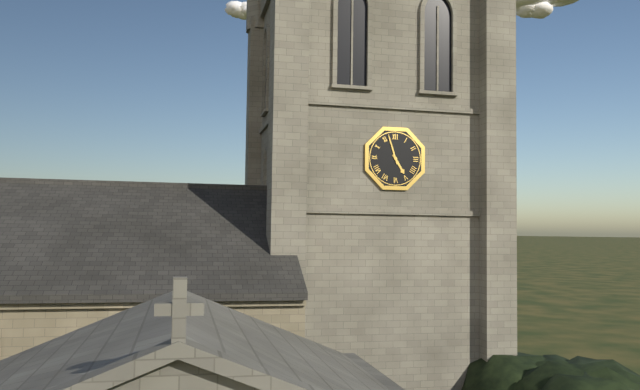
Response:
4.57
